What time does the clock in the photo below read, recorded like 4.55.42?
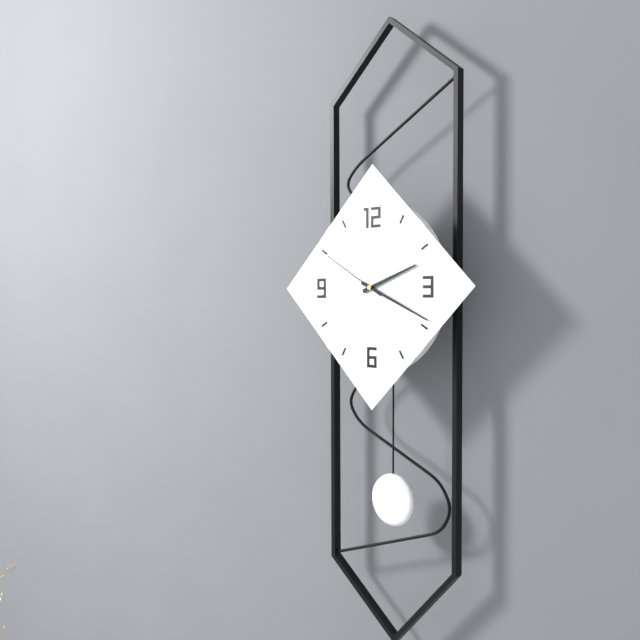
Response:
2.19.50
